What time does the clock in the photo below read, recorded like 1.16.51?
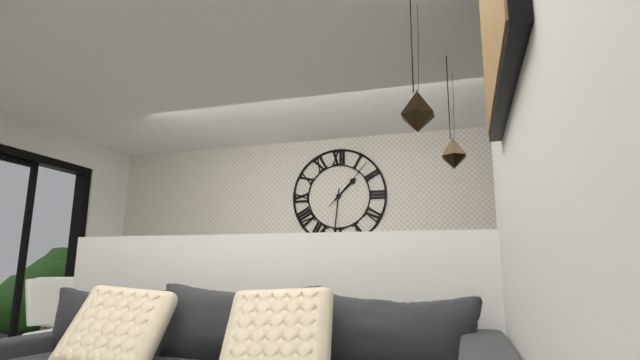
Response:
1.31.07
